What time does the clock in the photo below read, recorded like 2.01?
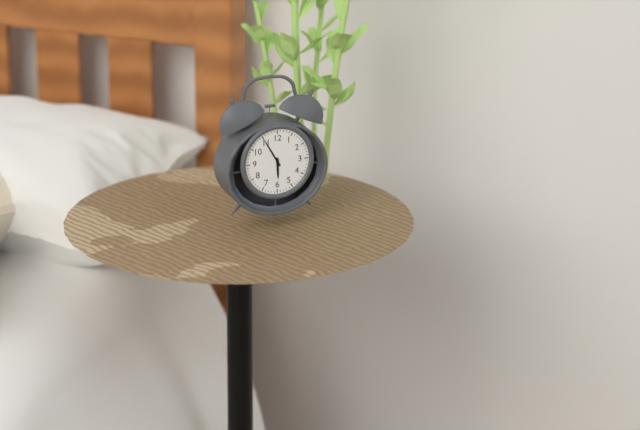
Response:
5.55
